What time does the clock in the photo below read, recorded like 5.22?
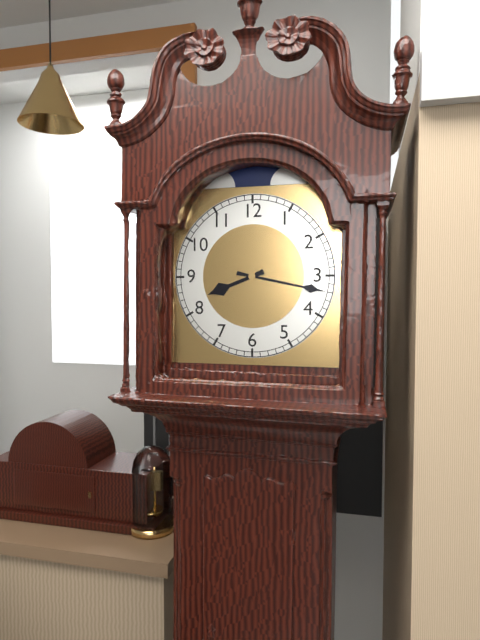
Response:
8.17
